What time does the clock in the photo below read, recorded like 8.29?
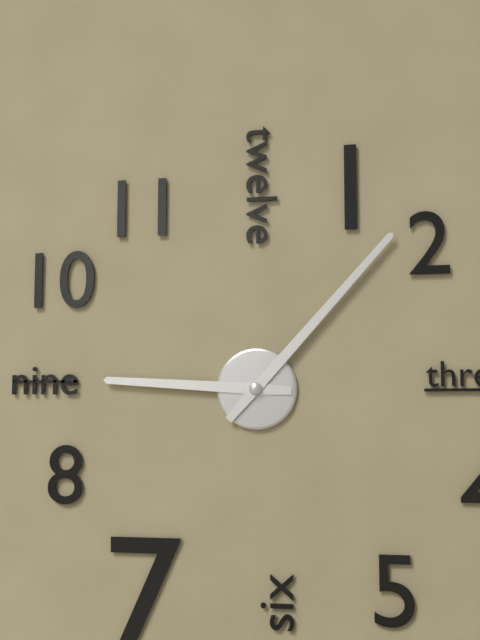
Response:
9.07
